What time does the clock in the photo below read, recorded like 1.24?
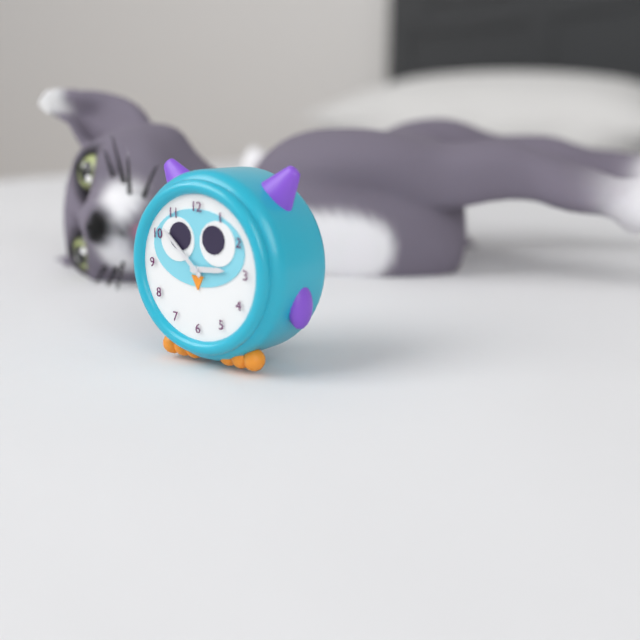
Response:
2.52
